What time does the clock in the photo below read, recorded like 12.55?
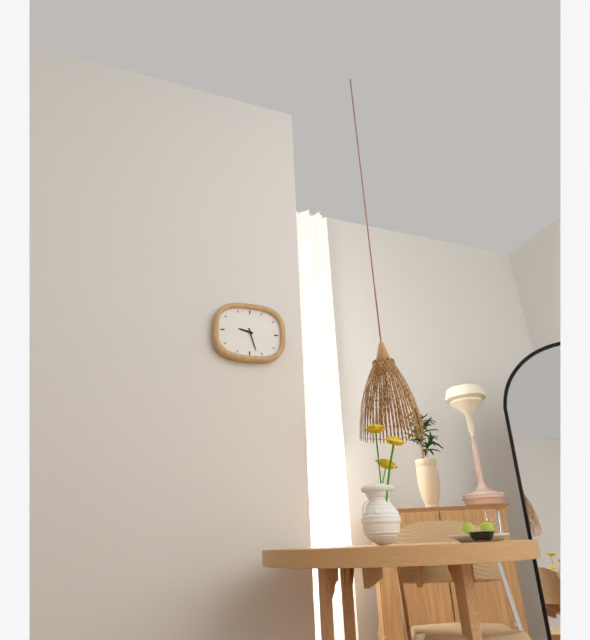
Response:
9.27
